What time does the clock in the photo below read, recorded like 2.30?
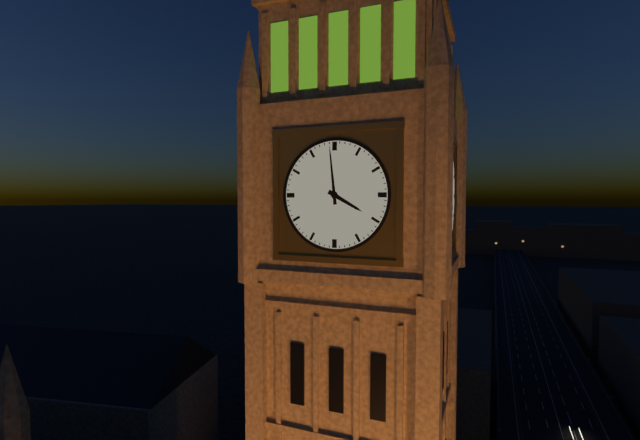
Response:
3.59
